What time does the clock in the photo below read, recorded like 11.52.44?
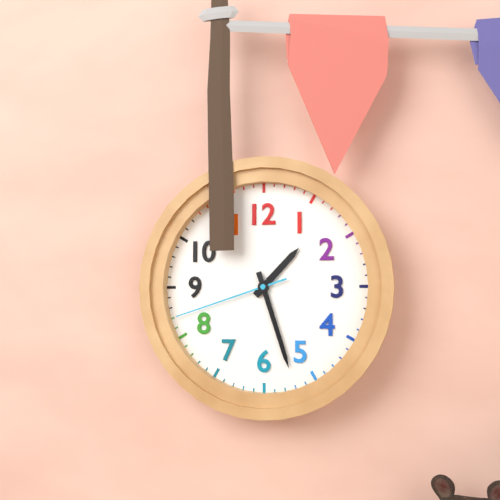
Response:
1.27.42
